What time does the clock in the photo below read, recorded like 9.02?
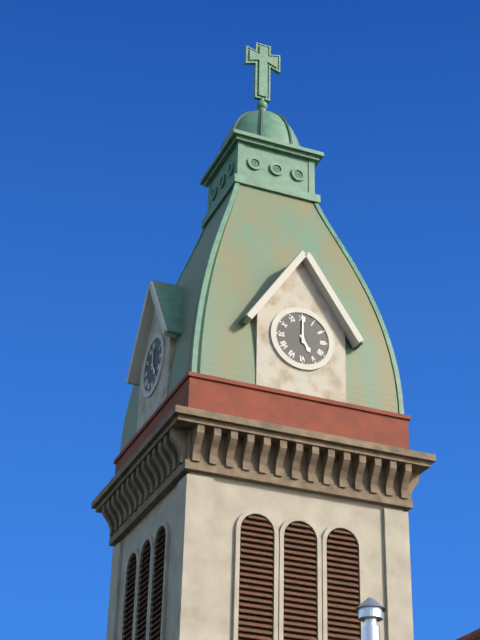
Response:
5.00
